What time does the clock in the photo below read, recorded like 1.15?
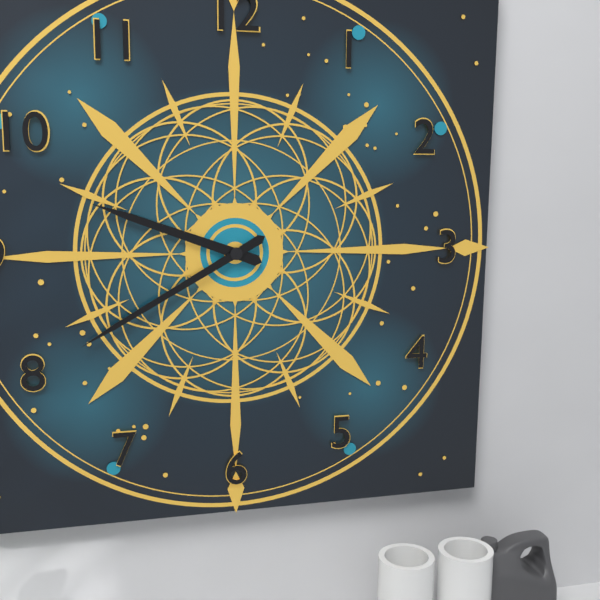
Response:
9.40
